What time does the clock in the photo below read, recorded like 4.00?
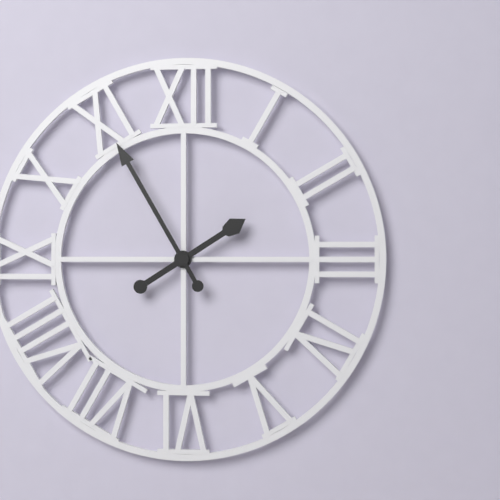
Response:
1.55
